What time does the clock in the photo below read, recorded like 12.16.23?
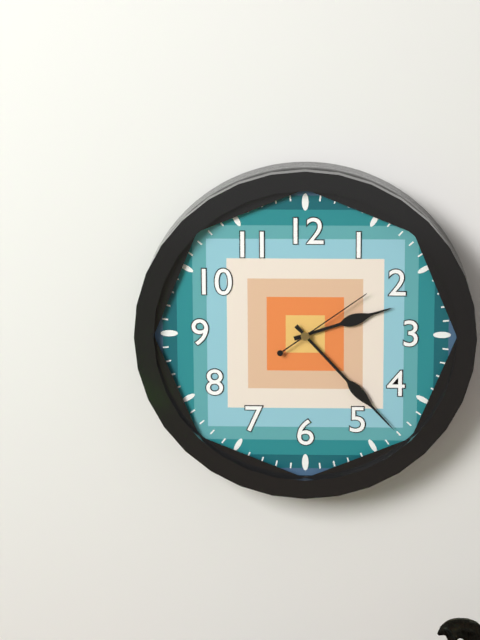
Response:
2.23.09
